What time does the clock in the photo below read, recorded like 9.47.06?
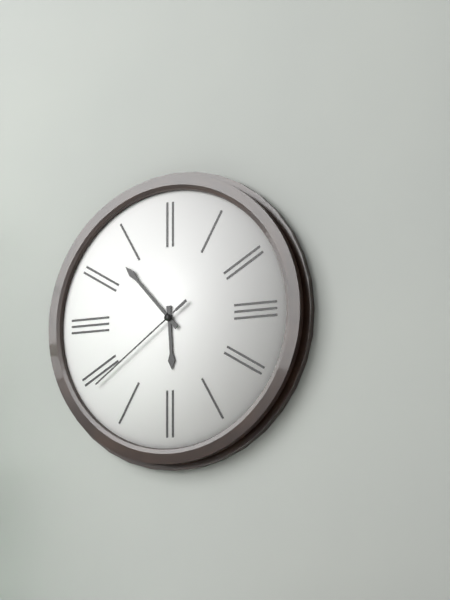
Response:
5.53.39
